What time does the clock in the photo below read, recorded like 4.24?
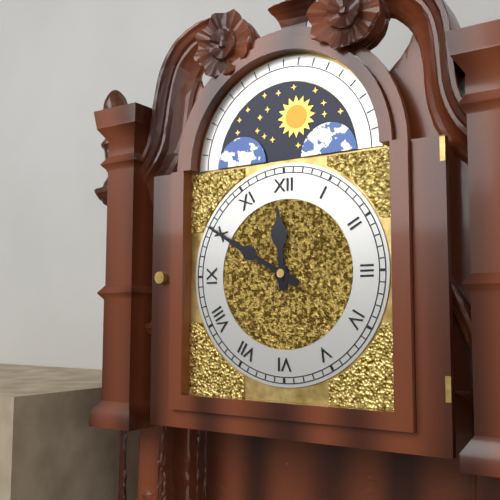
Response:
11.50
